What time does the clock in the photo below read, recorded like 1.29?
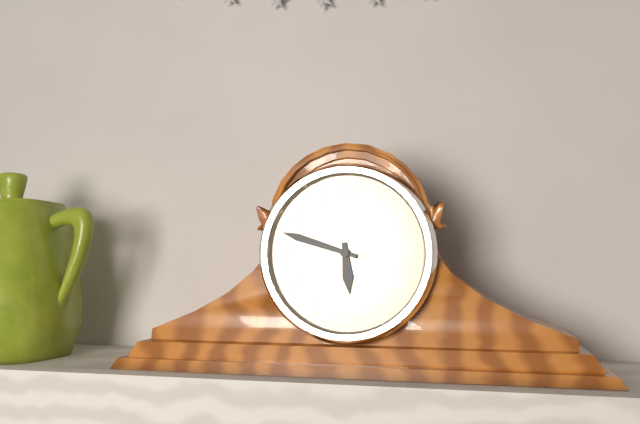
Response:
5.48
